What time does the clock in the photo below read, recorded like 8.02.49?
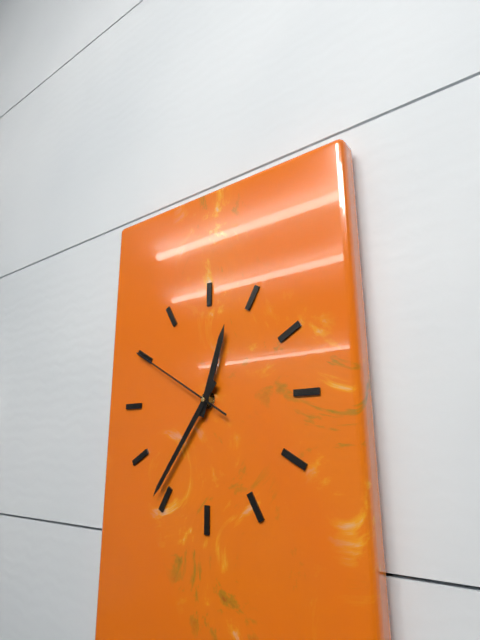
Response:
12.36.50
